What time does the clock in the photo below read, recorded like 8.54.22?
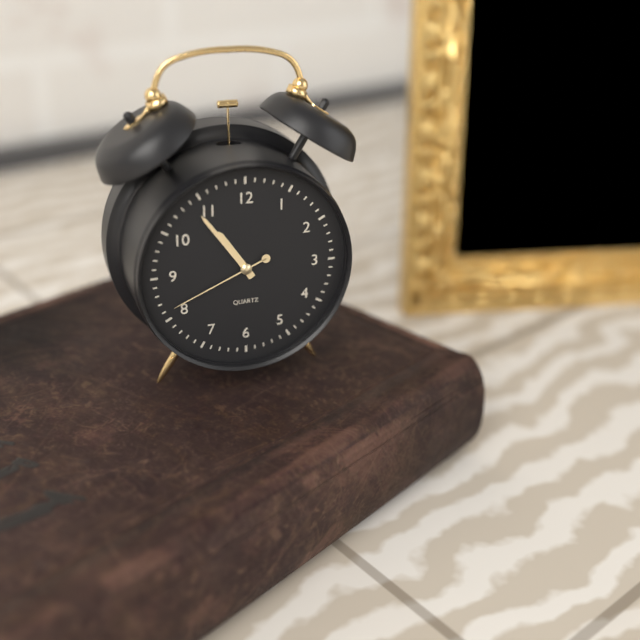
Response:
10.54.41
